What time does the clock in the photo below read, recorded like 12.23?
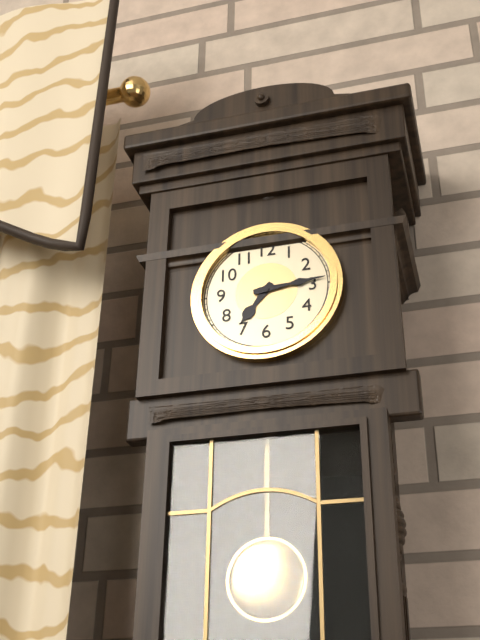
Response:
7.14
